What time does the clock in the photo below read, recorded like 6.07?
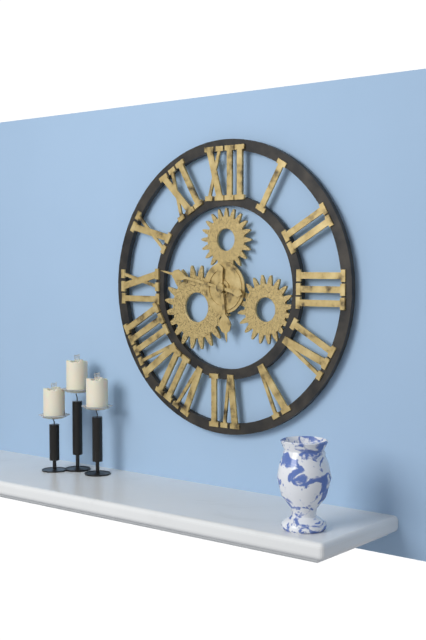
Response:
5.47
